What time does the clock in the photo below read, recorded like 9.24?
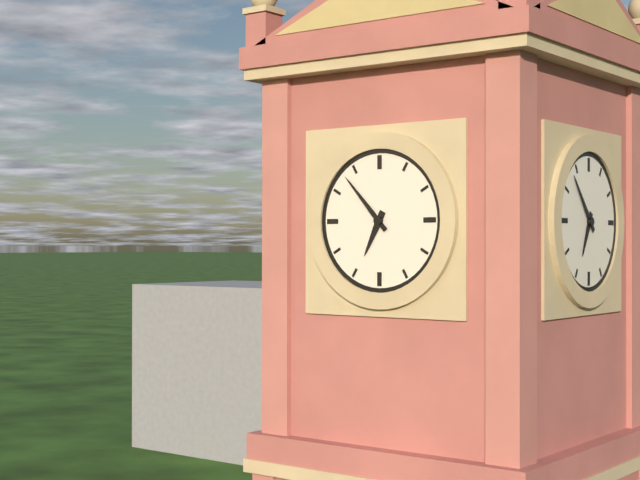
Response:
6.53
